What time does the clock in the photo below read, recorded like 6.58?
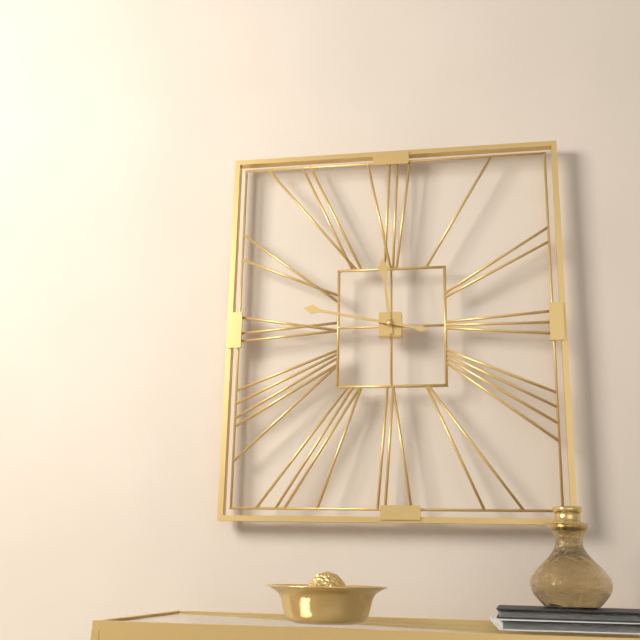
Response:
11.47
